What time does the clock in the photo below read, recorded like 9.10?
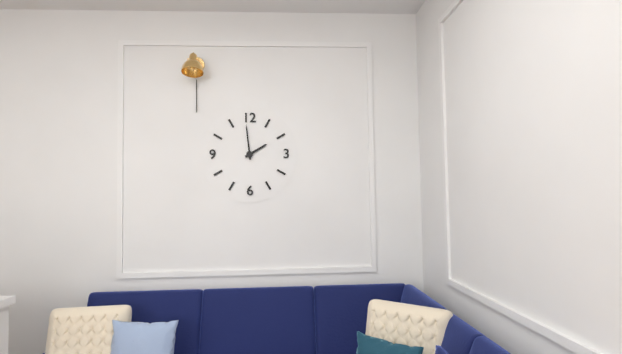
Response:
1.59
